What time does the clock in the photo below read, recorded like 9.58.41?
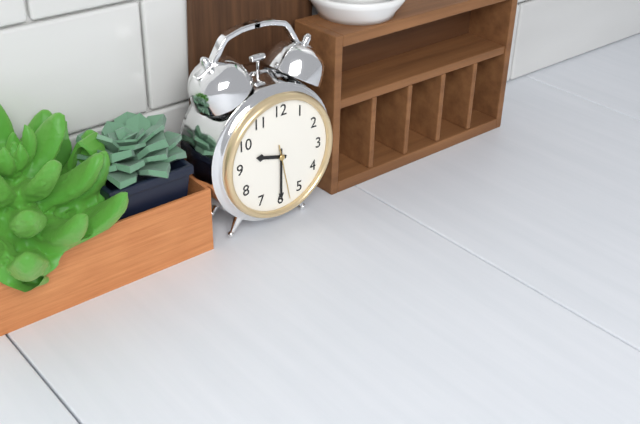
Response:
9.30.28
